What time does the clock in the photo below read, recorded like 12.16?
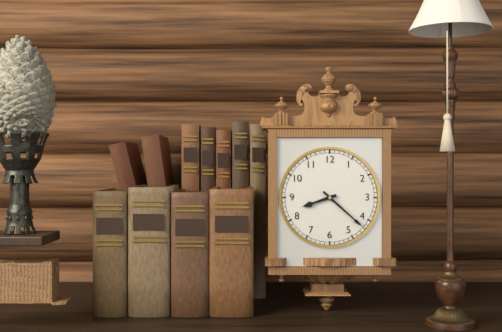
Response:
8.22
